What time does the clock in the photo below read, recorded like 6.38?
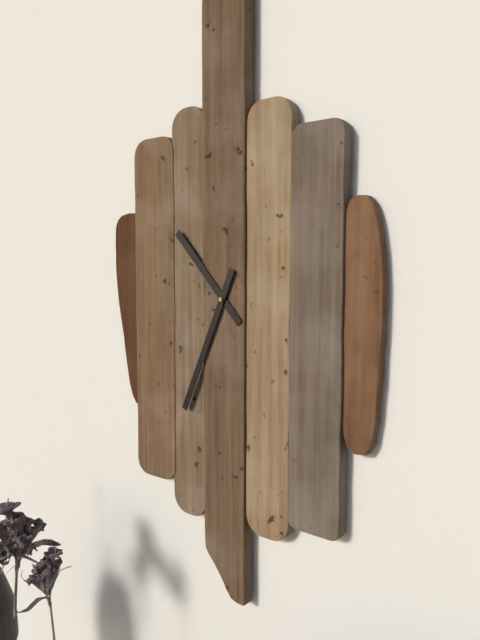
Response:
10.34
